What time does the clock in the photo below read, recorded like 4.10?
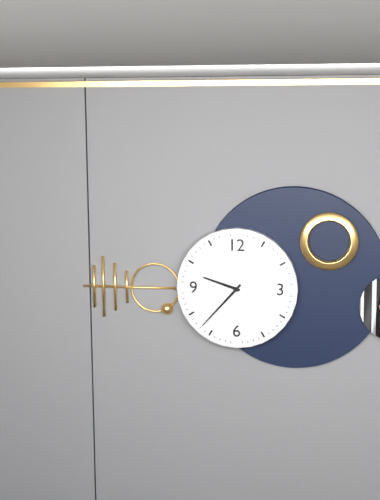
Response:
9.37
